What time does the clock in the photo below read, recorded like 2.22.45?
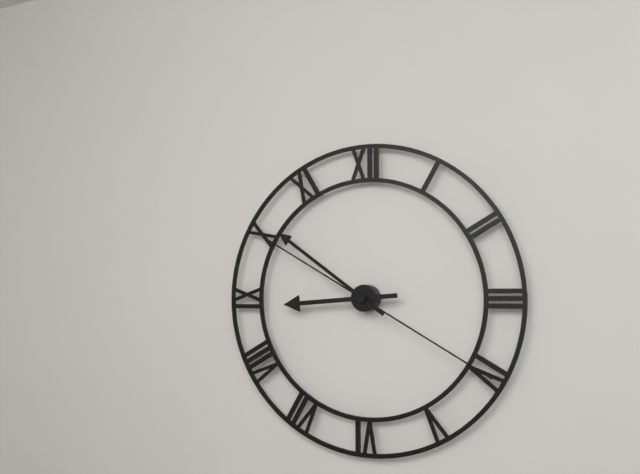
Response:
8.51.20
